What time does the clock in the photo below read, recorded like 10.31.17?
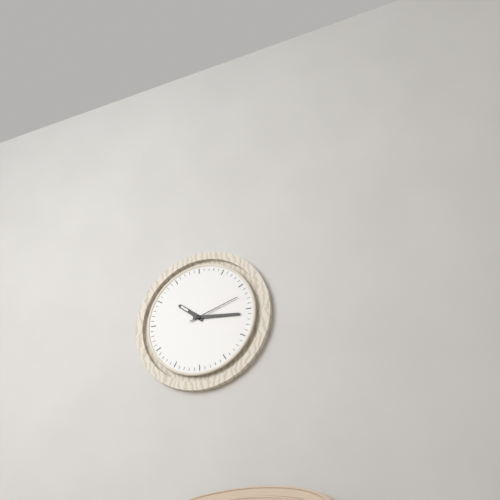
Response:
10.16.12
